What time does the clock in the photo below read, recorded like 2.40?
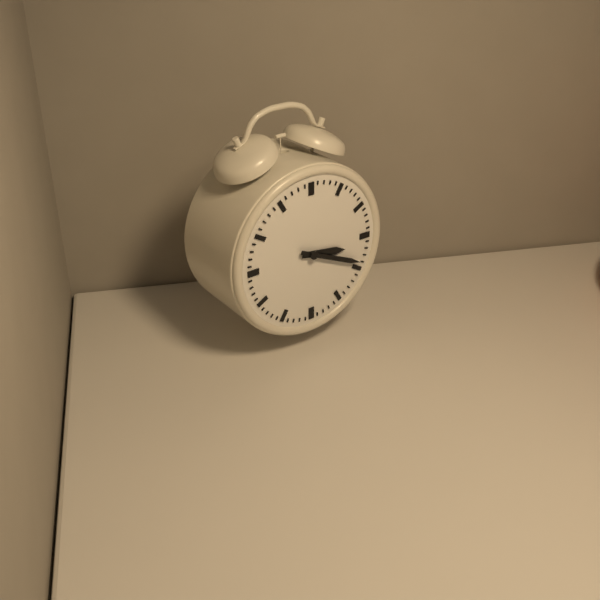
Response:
3.19
